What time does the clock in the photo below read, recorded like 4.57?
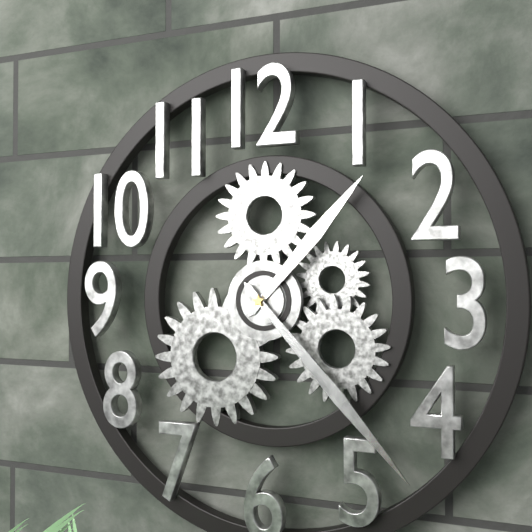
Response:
1.23
